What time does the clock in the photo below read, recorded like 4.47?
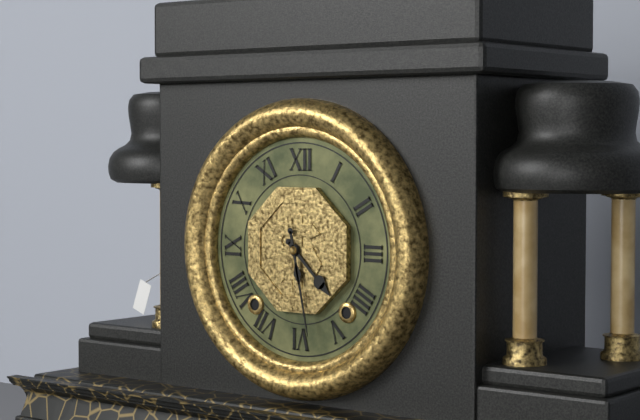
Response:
4.28
